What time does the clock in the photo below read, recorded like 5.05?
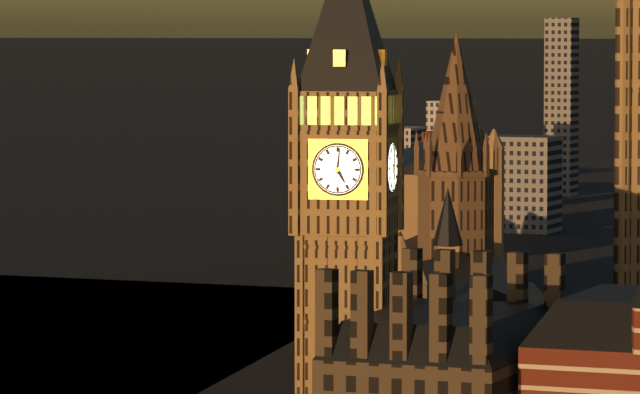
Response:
5.01
